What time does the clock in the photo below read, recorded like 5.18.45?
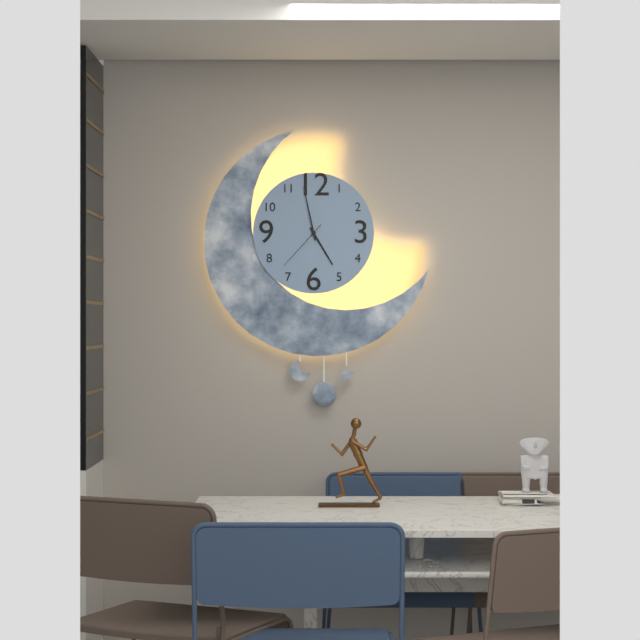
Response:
4.58.37
